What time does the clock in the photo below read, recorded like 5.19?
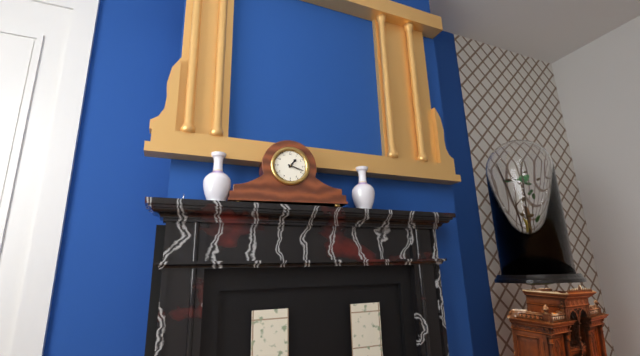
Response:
1.18
